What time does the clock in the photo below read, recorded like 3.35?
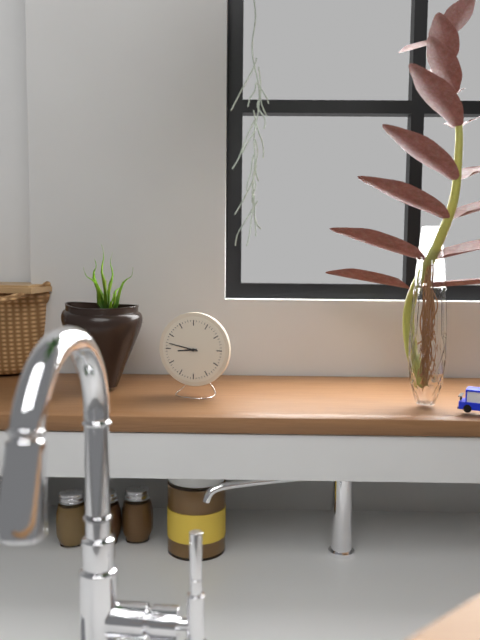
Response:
8.47
